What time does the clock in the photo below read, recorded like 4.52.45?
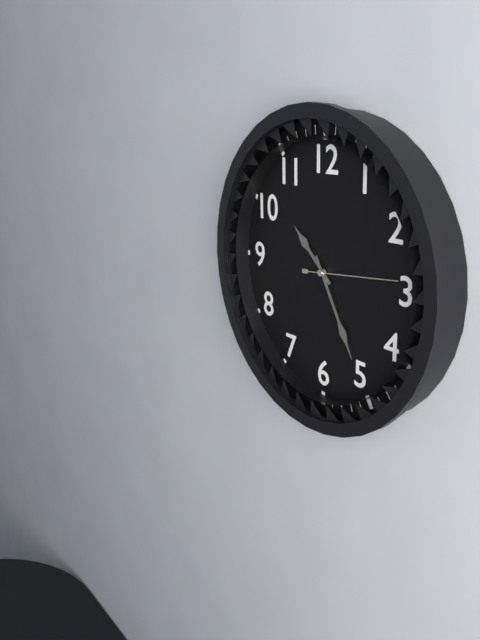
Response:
10.25.14
